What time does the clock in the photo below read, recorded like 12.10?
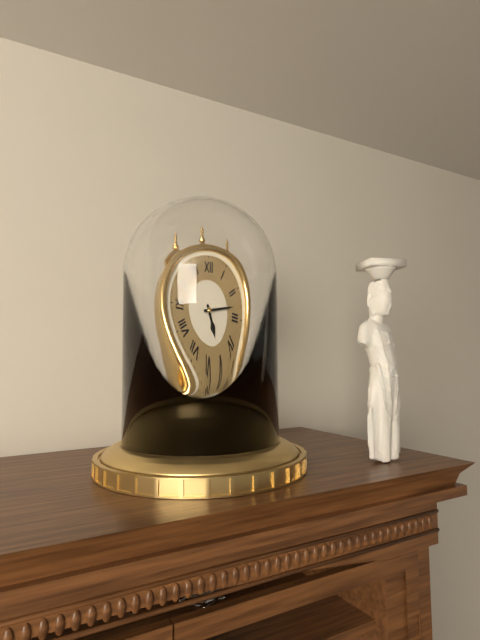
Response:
5.13
